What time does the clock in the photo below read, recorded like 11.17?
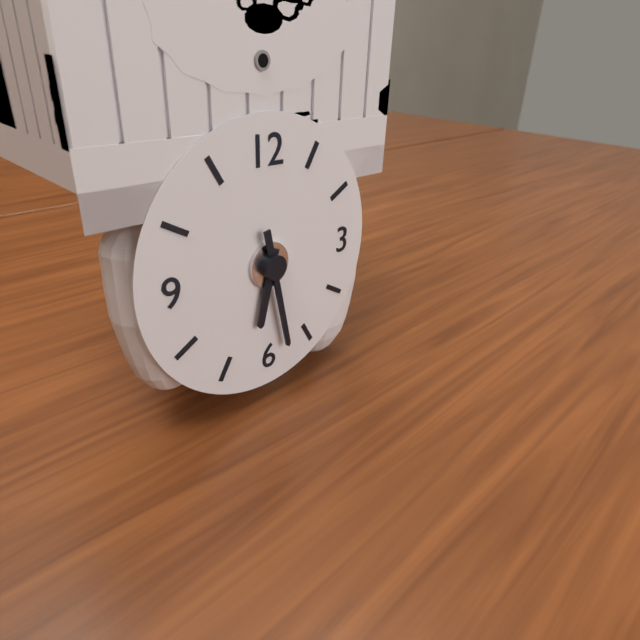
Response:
6.28
